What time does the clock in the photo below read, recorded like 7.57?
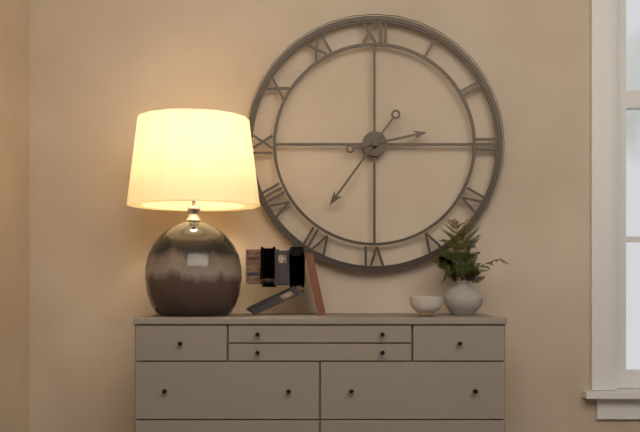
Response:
2.36
